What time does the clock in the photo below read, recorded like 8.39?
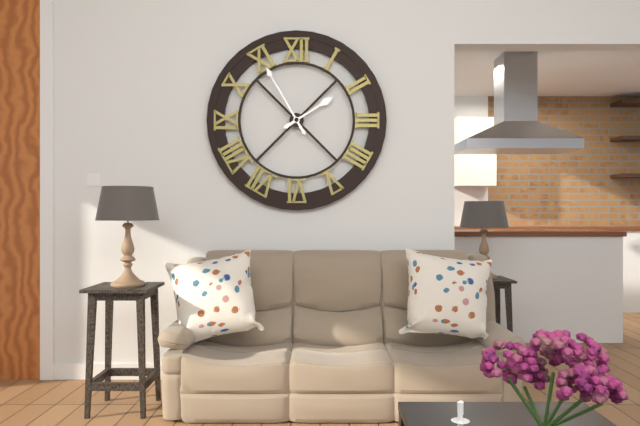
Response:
1.55
